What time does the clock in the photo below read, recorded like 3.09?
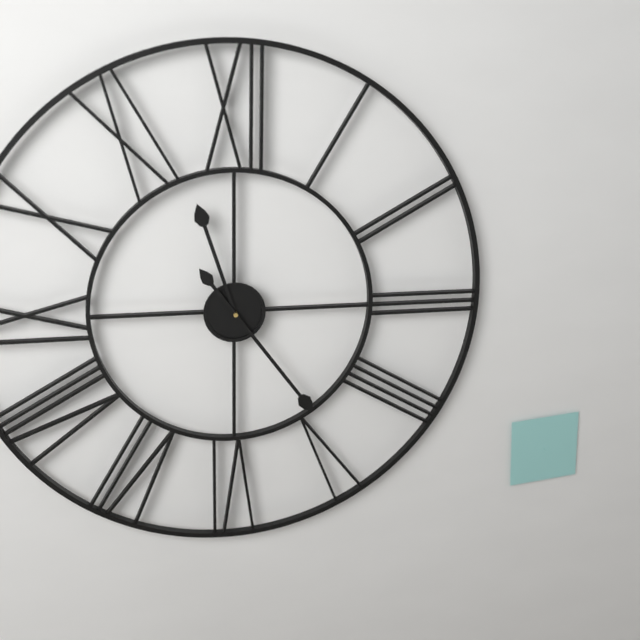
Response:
11.24
